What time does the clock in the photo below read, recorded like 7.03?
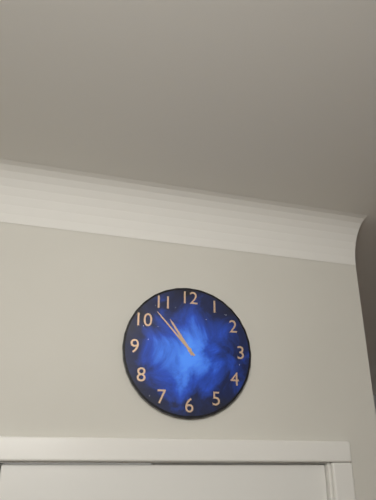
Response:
10.53
